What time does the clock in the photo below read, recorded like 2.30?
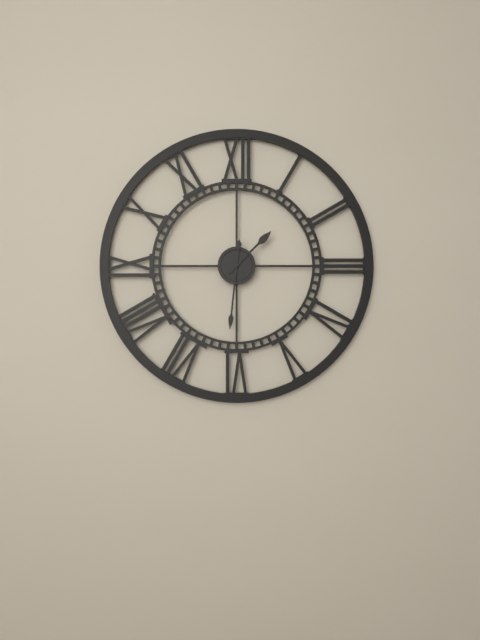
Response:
1.31
